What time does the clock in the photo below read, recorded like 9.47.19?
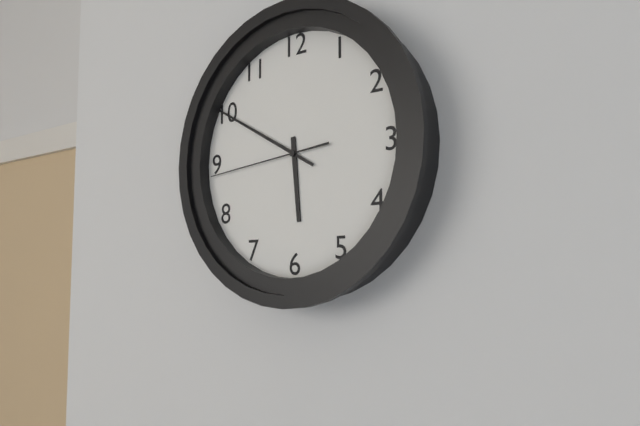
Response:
5.50.44
